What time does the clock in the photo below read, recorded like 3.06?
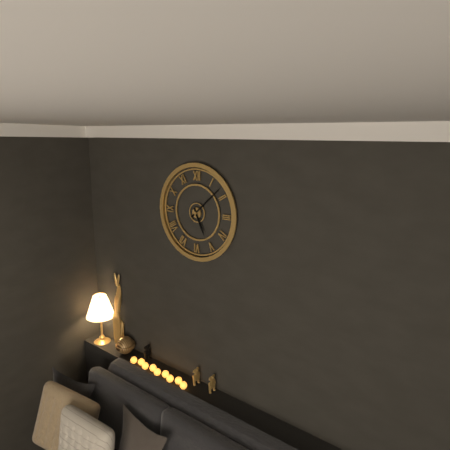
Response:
5.08
